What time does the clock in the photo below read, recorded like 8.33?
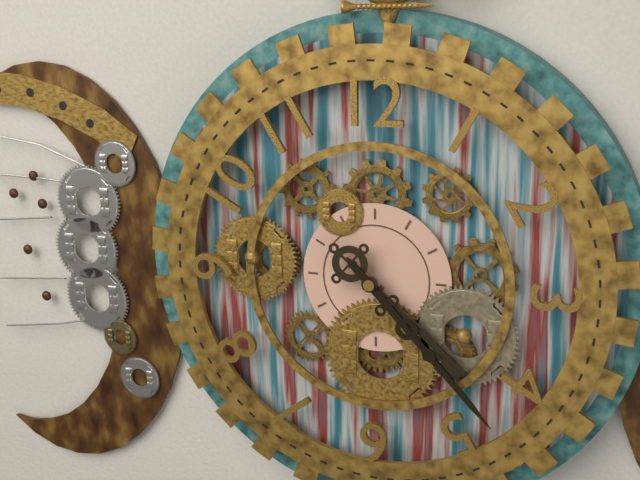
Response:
4.23
